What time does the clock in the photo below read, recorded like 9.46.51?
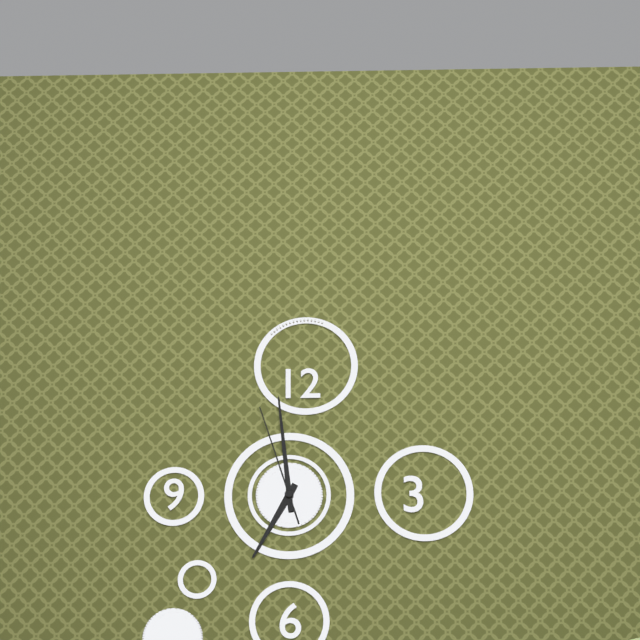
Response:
6.59.57
